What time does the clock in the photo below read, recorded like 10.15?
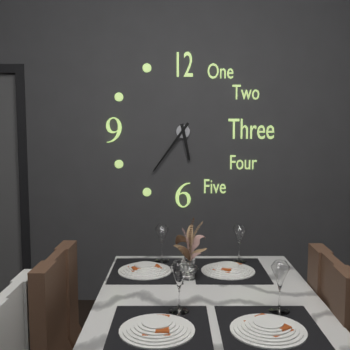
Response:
5.36
